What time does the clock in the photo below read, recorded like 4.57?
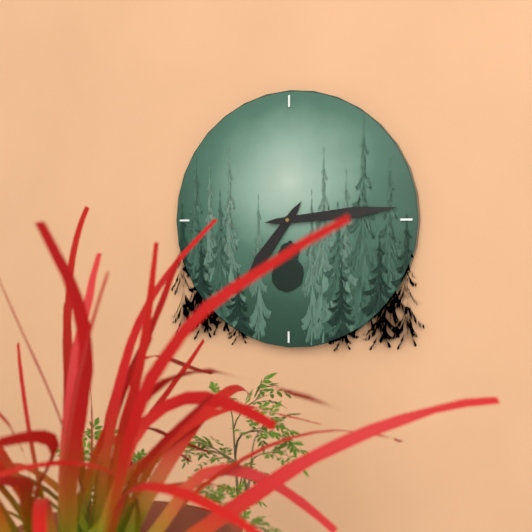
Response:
7.14
